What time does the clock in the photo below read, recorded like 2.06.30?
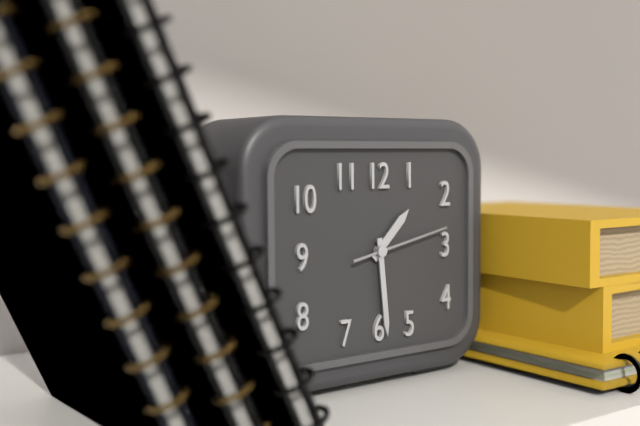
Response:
1.29.13
